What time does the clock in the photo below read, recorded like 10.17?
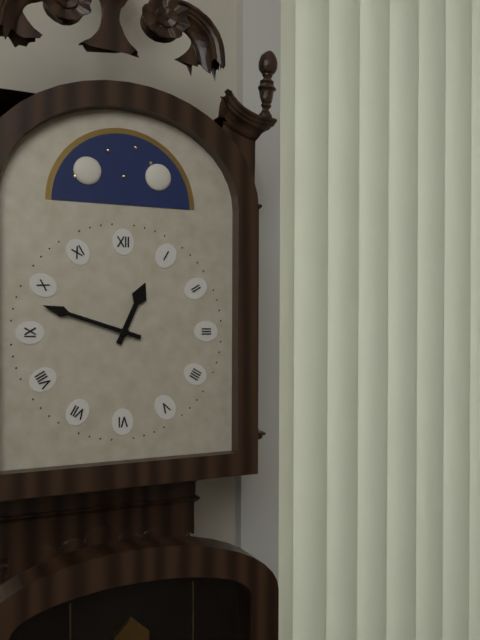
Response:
12.48
